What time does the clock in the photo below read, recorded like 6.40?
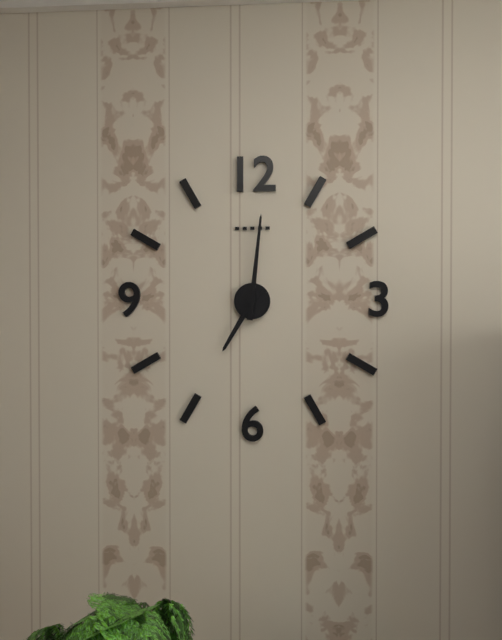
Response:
7.01
